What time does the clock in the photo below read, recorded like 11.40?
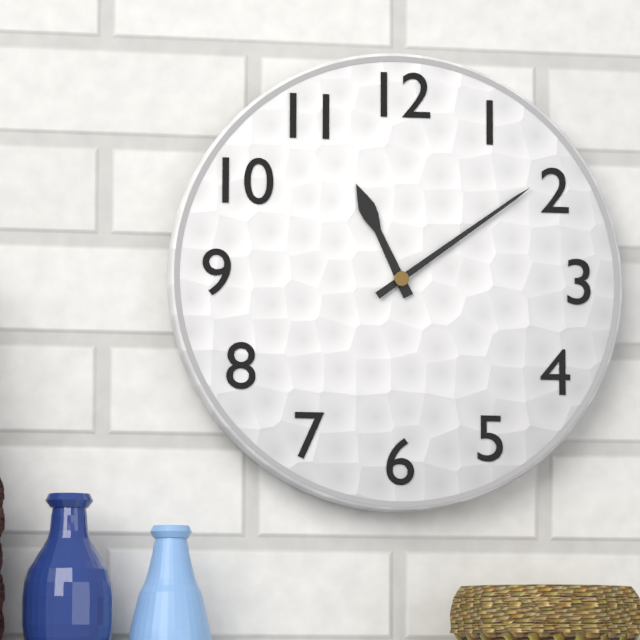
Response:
11.09
